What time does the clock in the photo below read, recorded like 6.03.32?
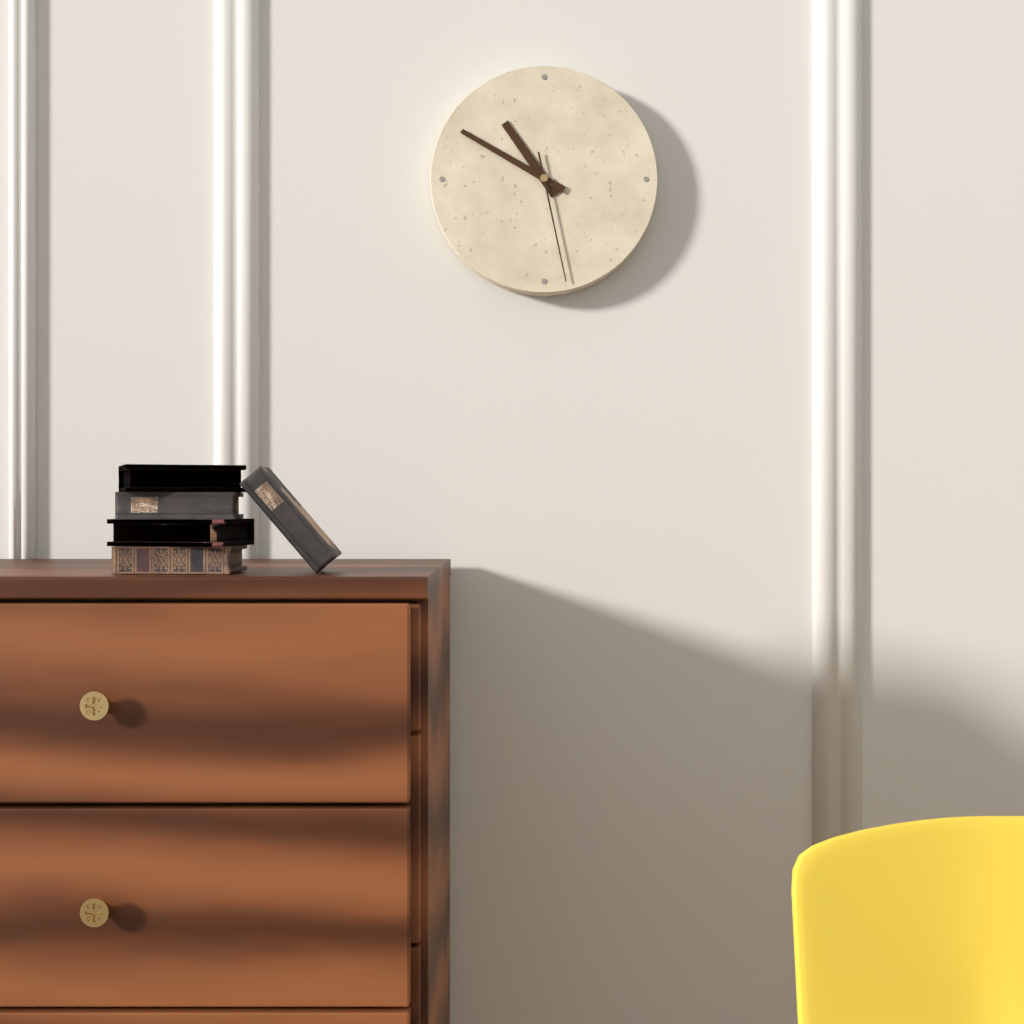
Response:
10.50.28
